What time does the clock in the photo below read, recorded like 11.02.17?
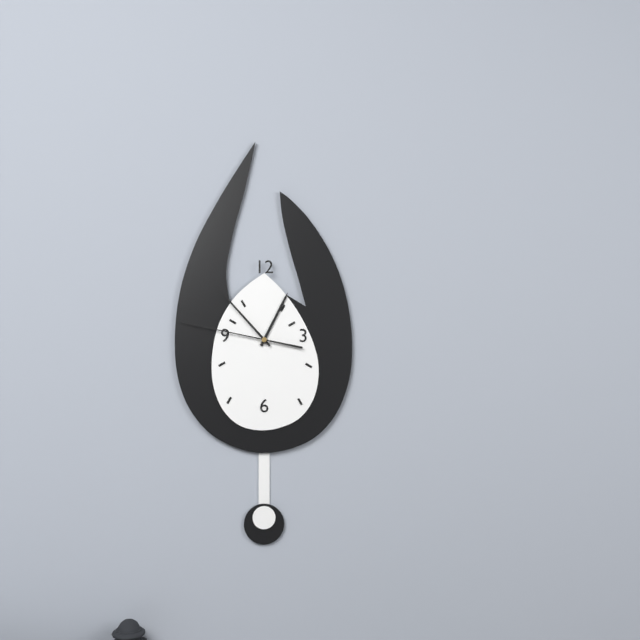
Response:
12.53.47
